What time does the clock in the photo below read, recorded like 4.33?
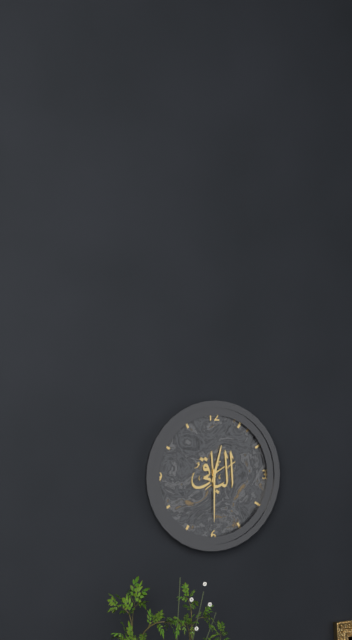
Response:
12.30
